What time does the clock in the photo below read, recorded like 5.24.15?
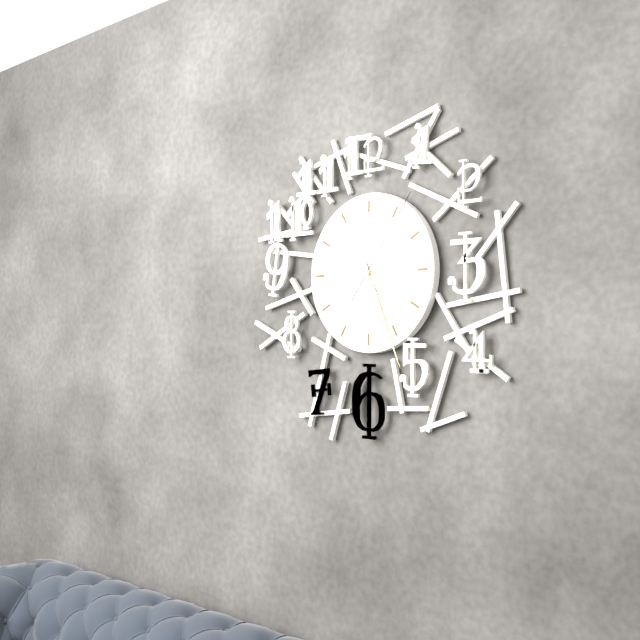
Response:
4.26.06
